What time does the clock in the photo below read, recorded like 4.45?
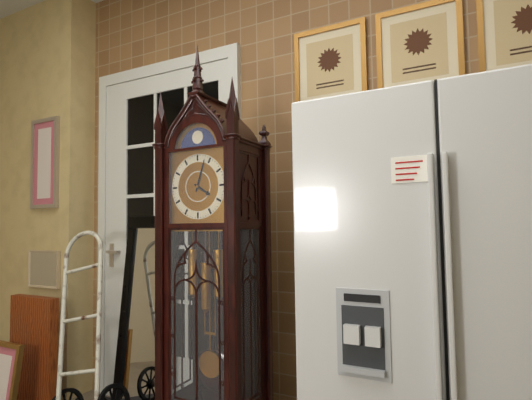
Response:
4.03
